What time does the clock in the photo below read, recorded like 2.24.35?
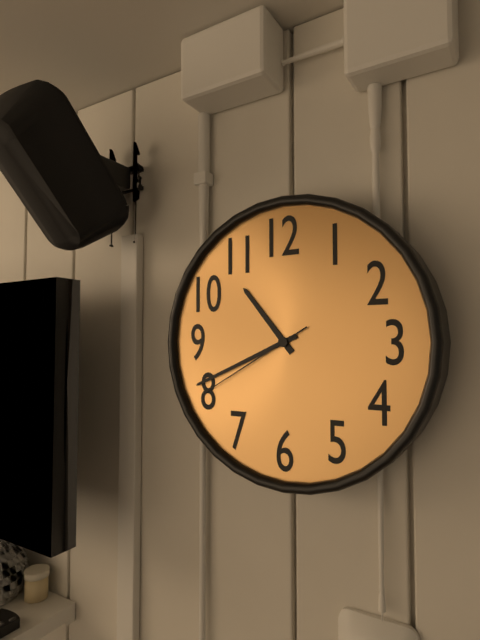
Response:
10.41.40
